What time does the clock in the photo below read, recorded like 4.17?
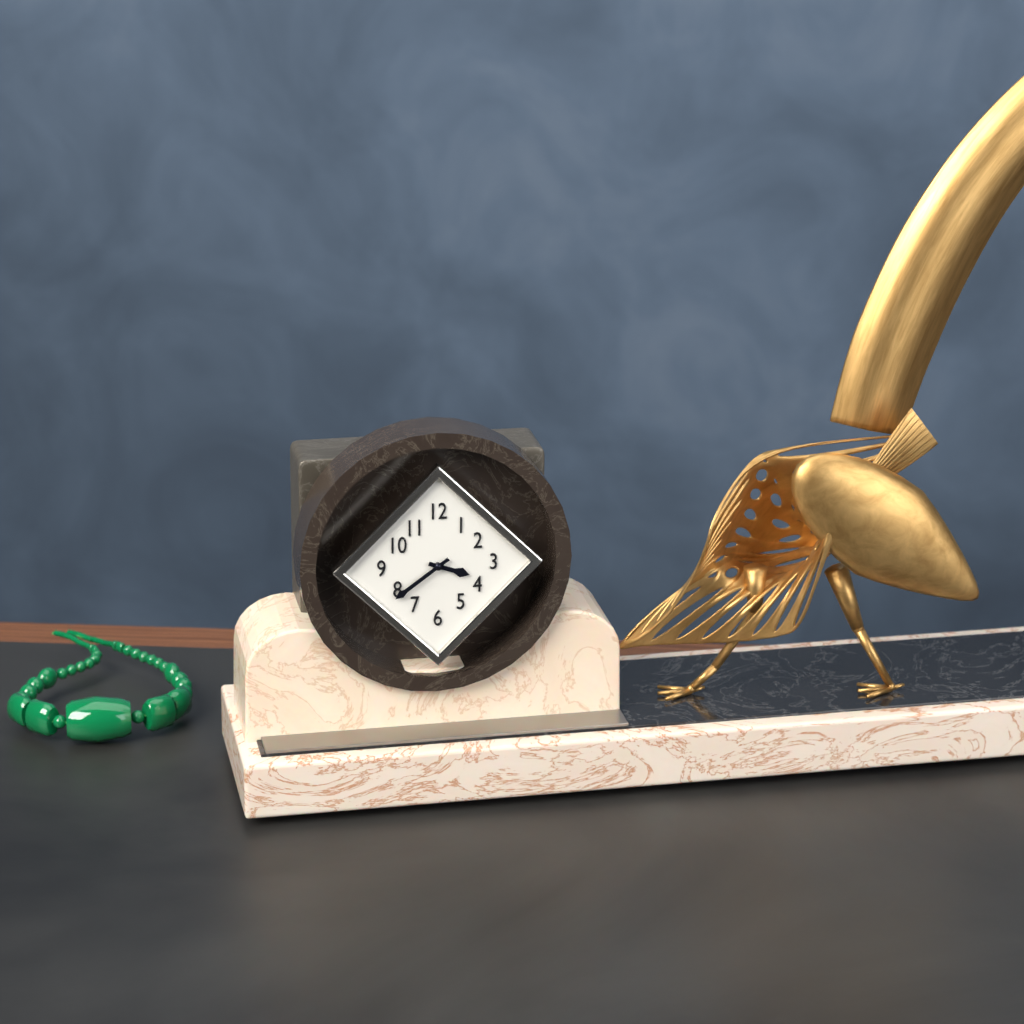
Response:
3.39
